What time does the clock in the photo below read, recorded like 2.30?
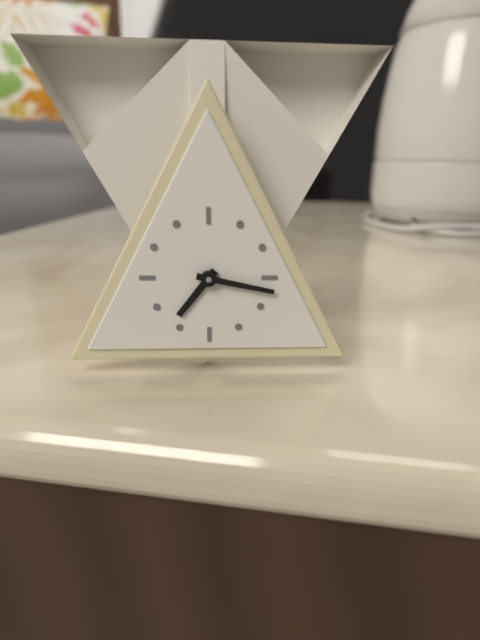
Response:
7.17
